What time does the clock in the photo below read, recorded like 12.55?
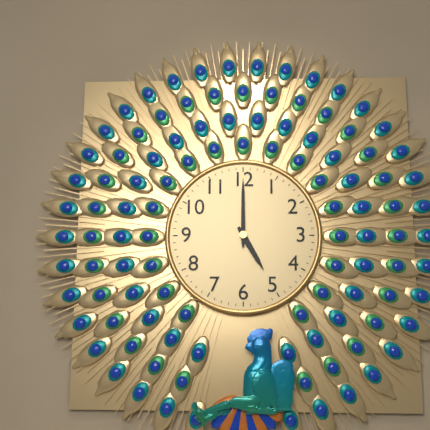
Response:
5.00
